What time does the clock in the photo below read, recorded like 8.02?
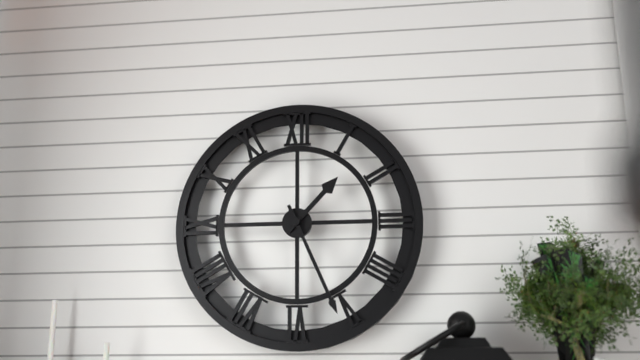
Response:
1.26
